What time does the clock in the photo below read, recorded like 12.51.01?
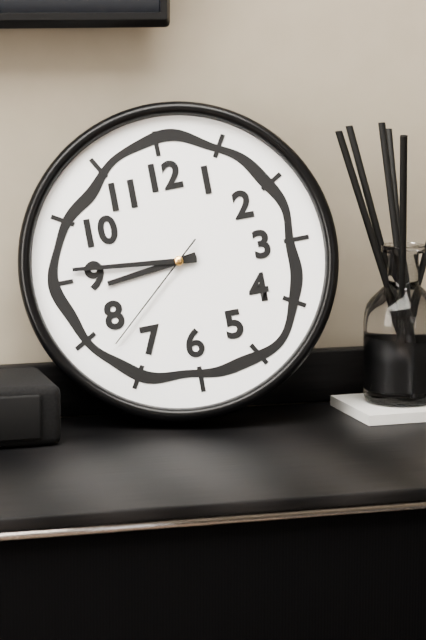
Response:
8.46.38
